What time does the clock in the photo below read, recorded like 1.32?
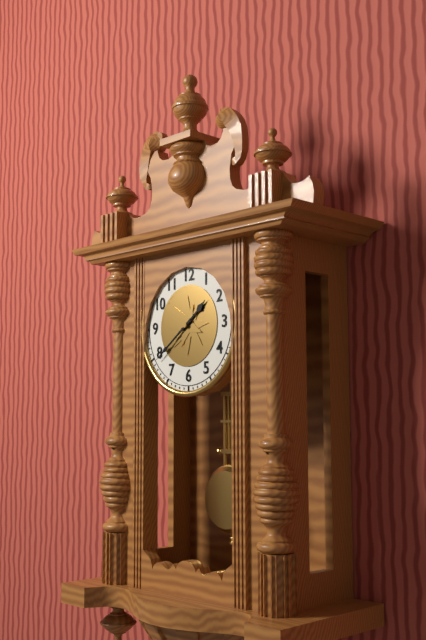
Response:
1.39
